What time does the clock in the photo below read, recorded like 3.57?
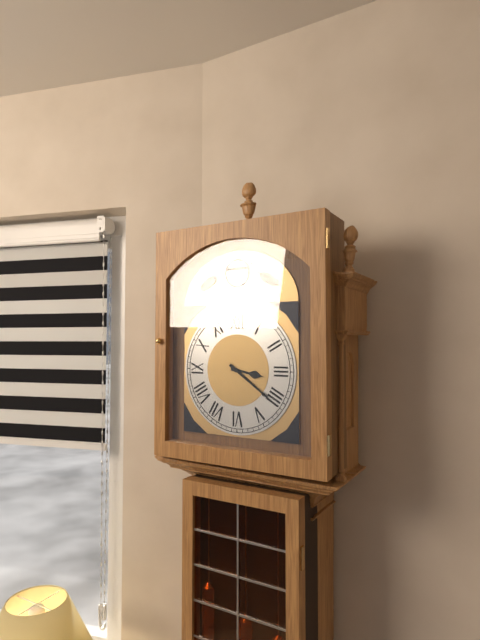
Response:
3.21
